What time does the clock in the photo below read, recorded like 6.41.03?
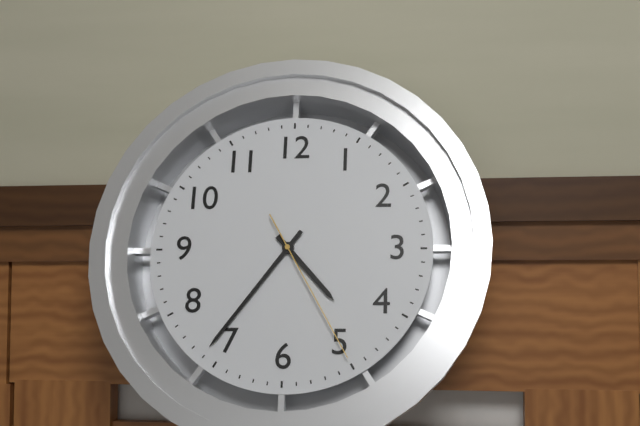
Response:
4.36.25
